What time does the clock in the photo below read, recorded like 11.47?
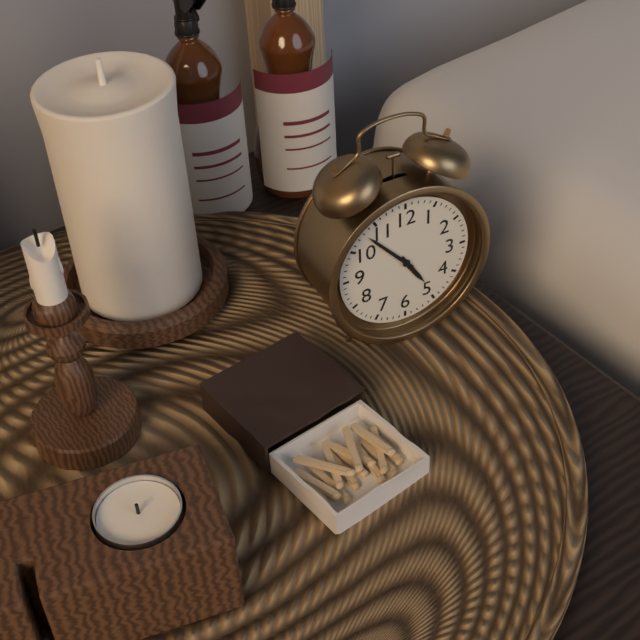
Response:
4.53
